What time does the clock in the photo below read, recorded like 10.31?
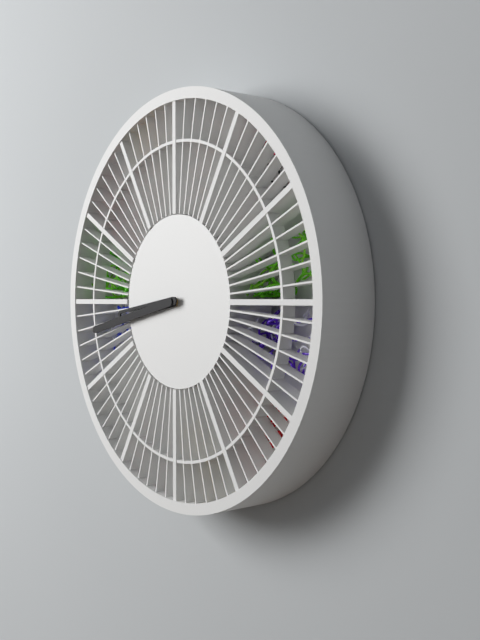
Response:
8.43
